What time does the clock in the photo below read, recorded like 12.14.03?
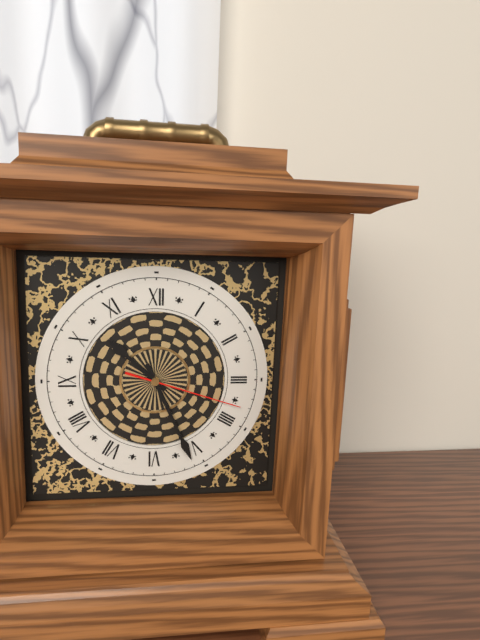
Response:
10.26.18
